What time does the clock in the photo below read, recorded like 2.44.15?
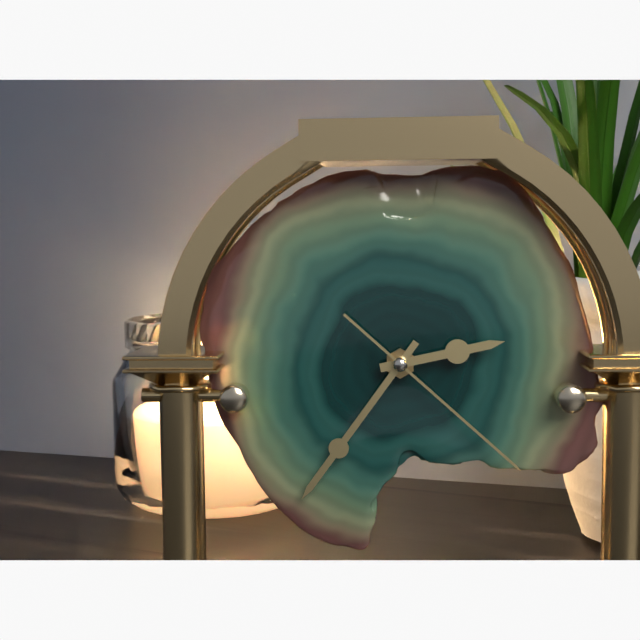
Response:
2.36.22
